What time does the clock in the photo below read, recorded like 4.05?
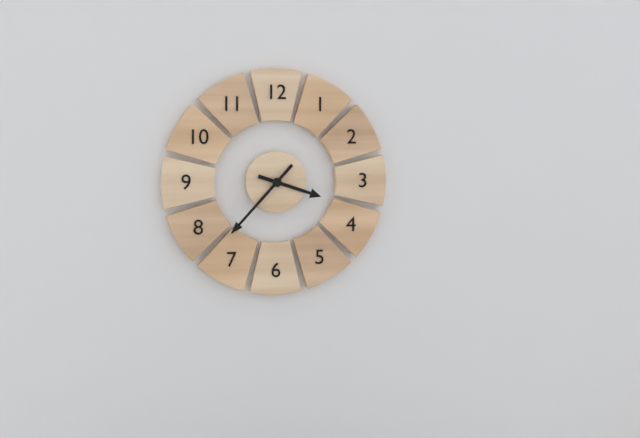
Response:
3.37
